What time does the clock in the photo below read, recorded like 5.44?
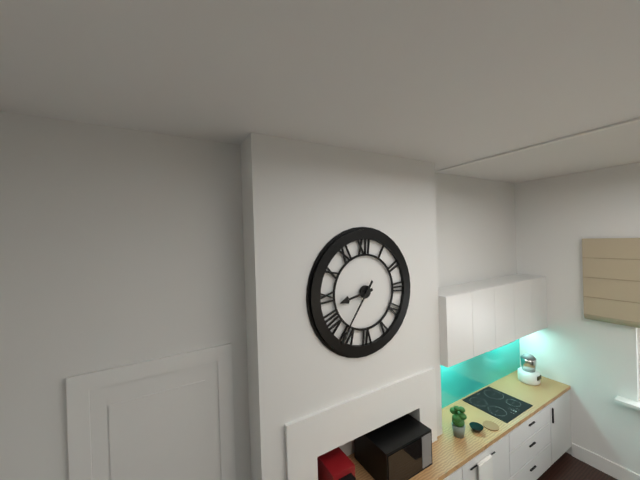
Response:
8.36
